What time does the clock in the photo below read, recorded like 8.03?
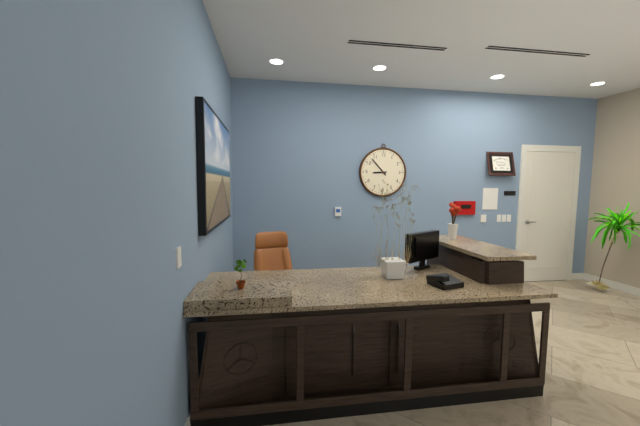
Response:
8.53
